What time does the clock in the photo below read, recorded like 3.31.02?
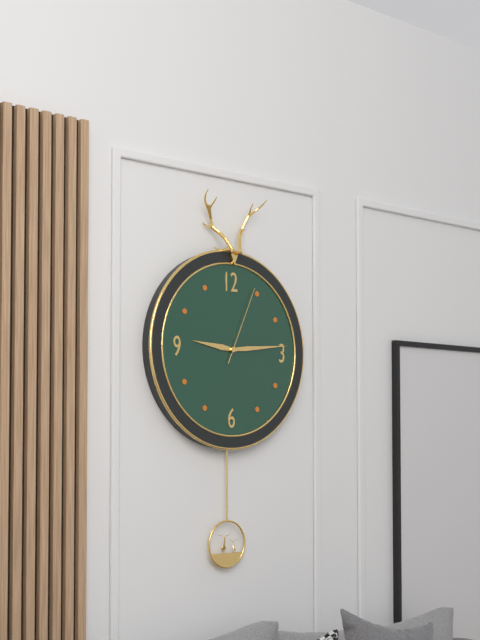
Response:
9.14.04
